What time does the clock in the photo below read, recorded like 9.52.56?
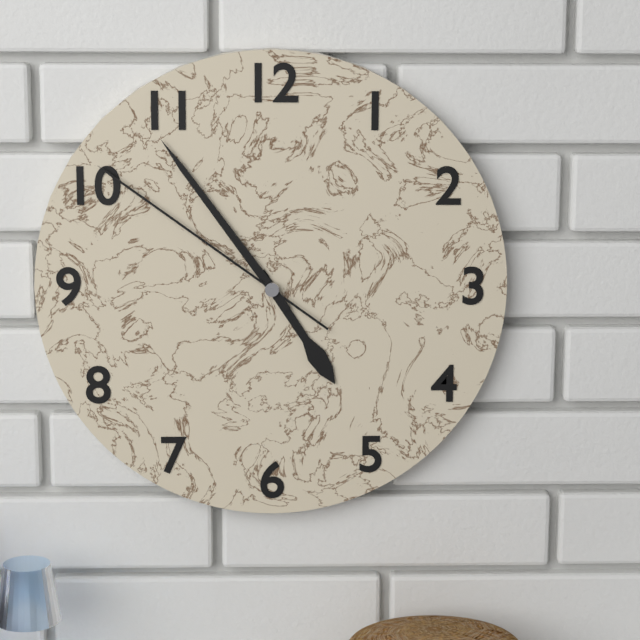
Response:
4.54.51
